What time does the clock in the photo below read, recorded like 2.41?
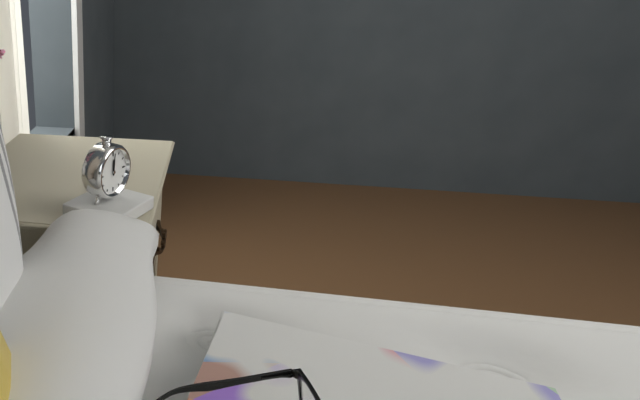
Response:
12.01
